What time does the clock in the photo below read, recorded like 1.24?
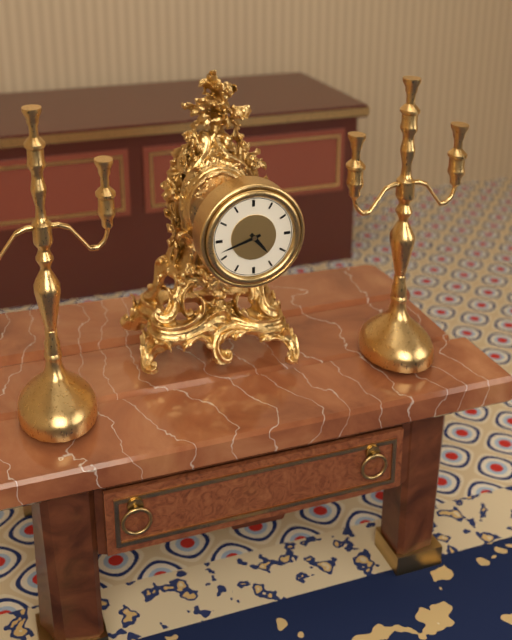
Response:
4.42
